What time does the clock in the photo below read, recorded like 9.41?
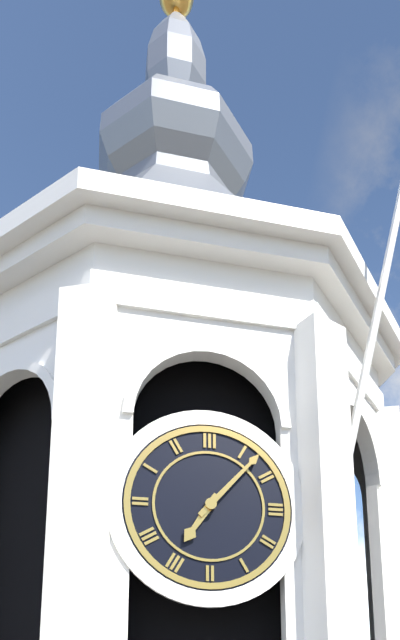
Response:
7.07
